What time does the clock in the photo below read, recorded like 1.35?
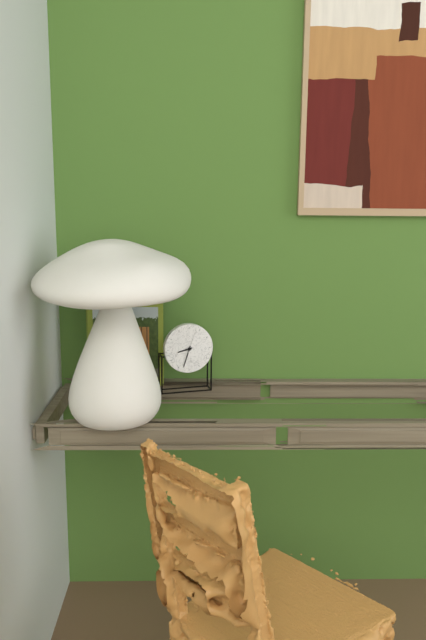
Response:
8.33
